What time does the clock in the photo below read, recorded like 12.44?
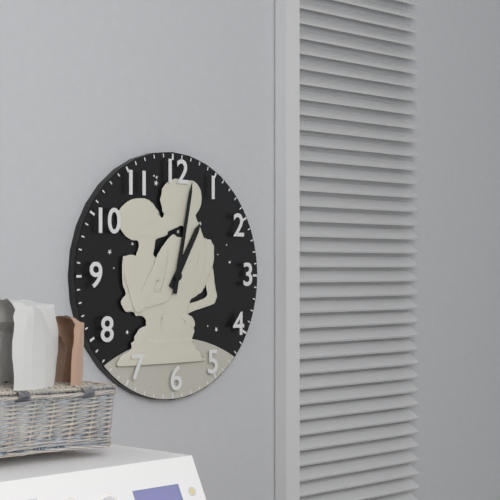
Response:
1.02
